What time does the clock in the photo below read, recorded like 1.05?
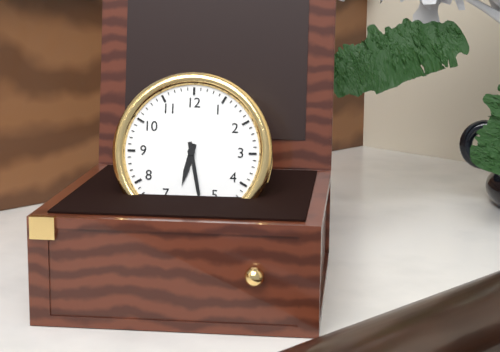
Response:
6.28
